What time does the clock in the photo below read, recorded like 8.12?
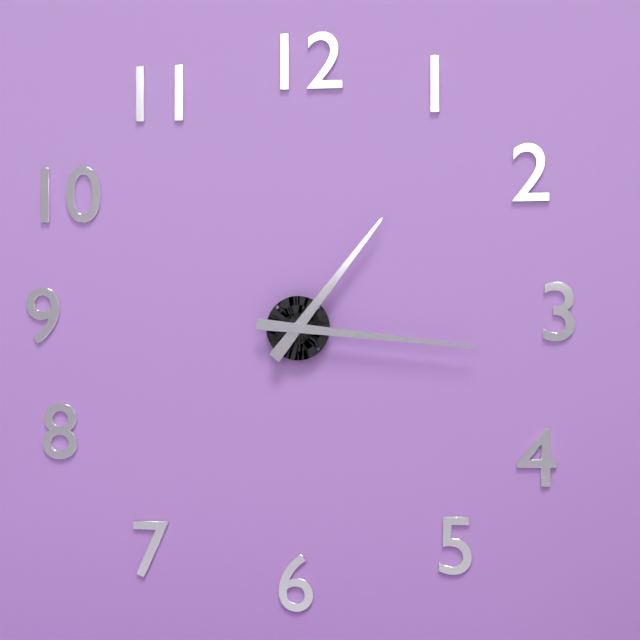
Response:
1.16
